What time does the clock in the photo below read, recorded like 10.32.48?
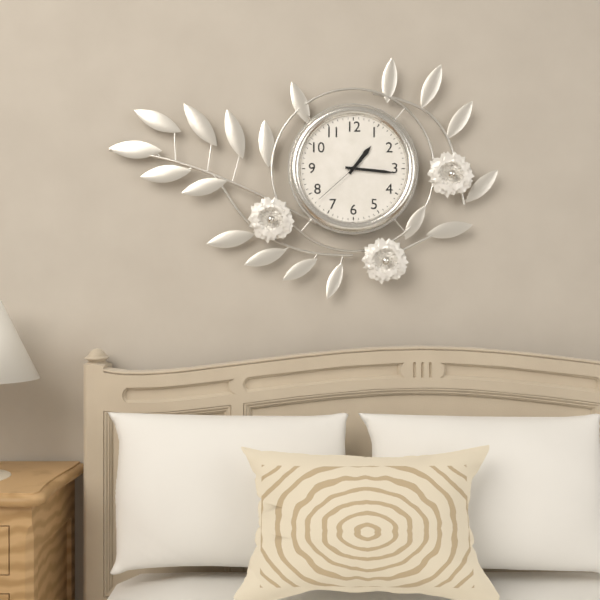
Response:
1.16.38
